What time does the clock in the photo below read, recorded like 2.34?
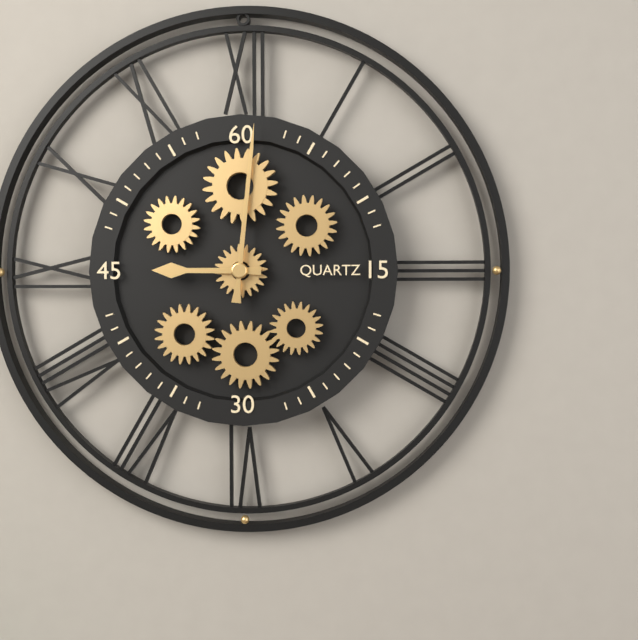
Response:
9.01
